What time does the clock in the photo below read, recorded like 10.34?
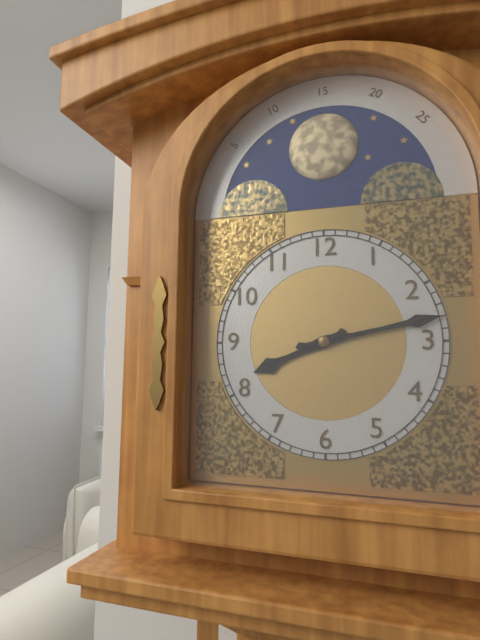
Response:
8.13
